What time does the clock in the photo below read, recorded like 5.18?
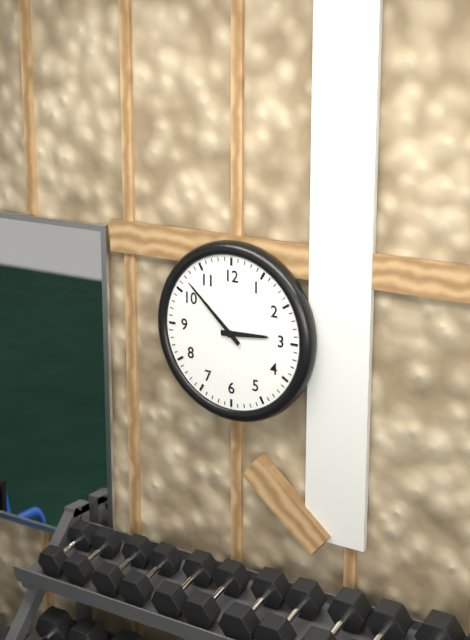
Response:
2.52
